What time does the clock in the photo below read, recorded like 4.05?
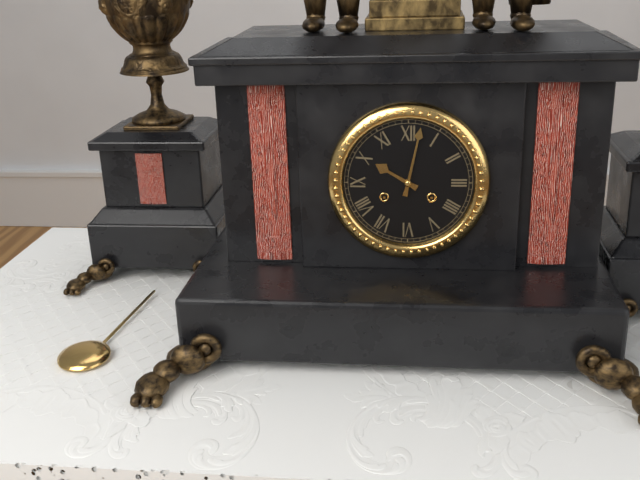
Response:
10.02
